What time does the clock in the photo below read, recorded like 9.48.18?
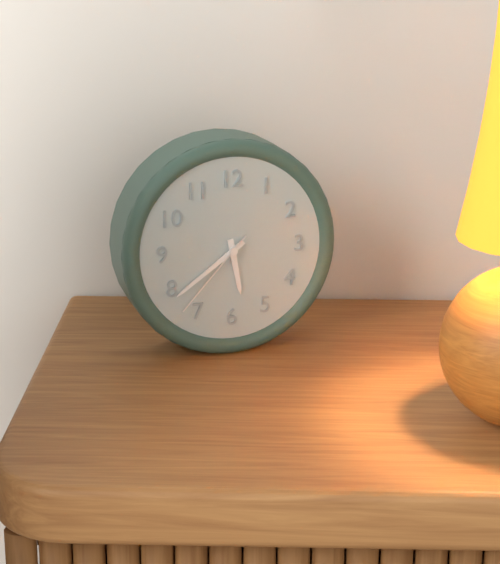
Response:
5.39.37
